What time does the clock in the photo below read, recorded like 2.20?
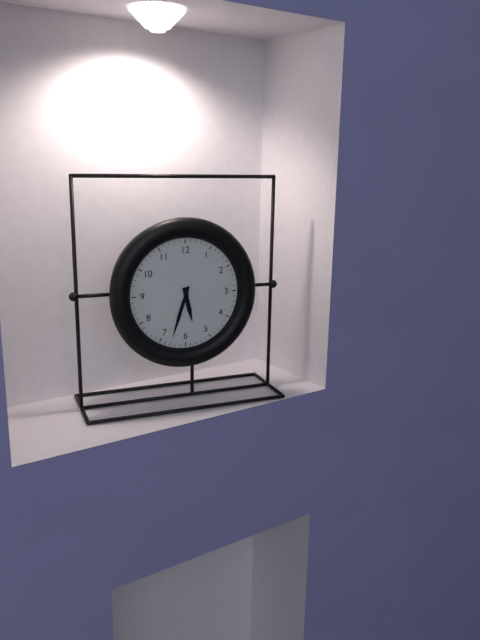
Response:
5.33
